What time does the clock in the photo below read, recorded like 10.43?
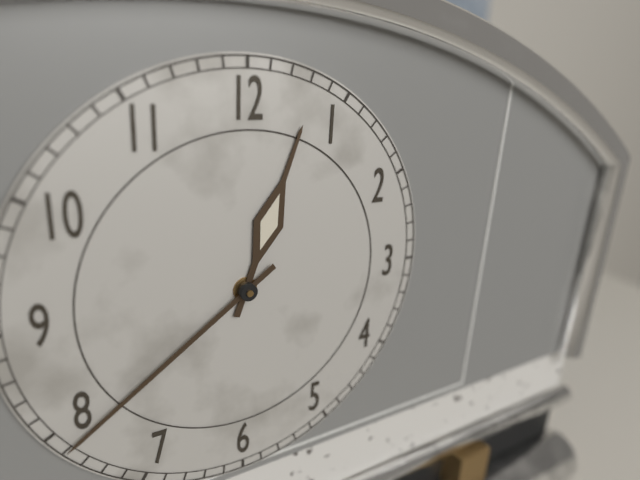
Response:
12.39
